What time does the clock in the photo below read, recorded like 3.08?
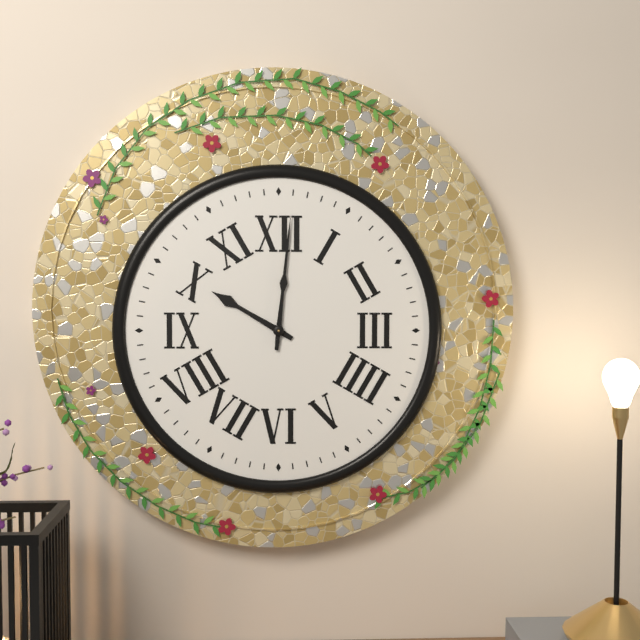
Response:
10.01
